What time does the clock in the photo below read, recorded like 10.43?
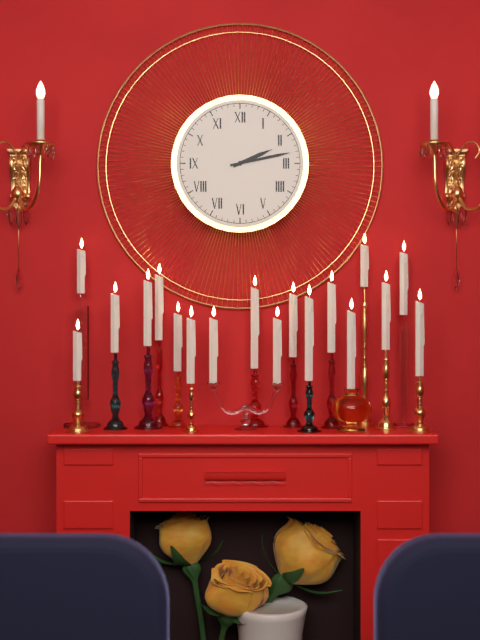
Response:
2.13
